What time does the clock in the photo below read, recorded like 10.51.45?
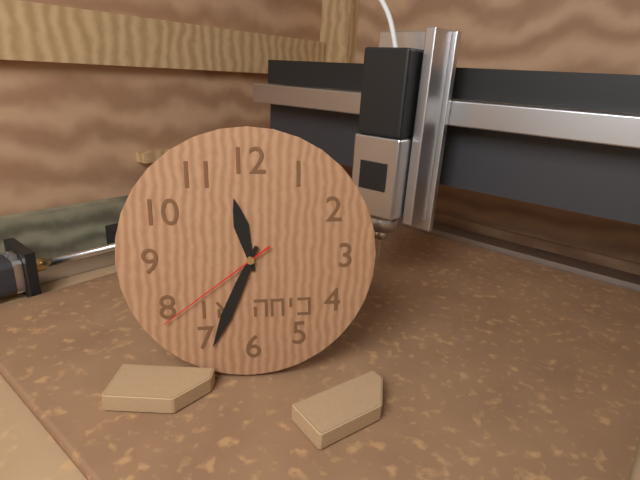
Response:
11.34.39
